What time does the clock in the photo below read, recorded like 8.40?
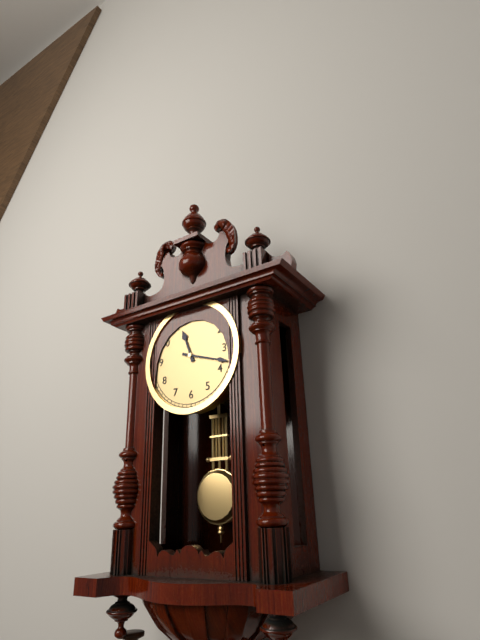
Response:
11.18
